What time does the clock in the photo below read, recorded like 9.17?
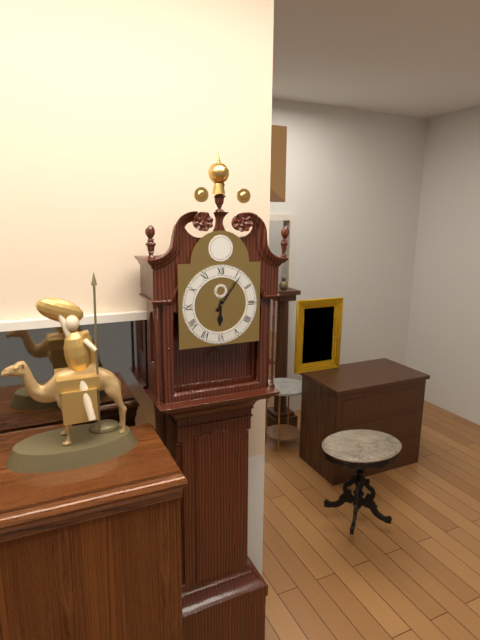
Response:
6.06
